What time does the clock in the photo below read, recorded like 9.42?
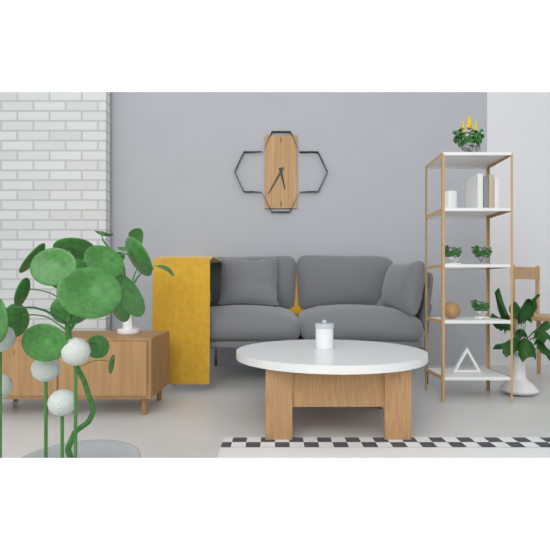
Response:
5.35
